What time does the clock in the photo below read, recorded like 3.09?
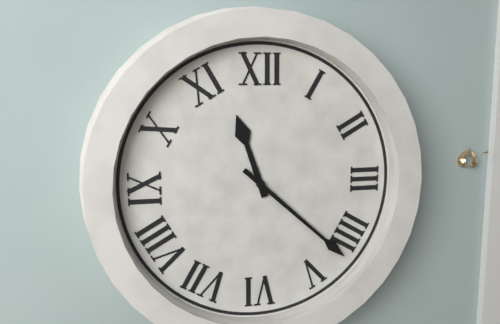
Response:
11.22
